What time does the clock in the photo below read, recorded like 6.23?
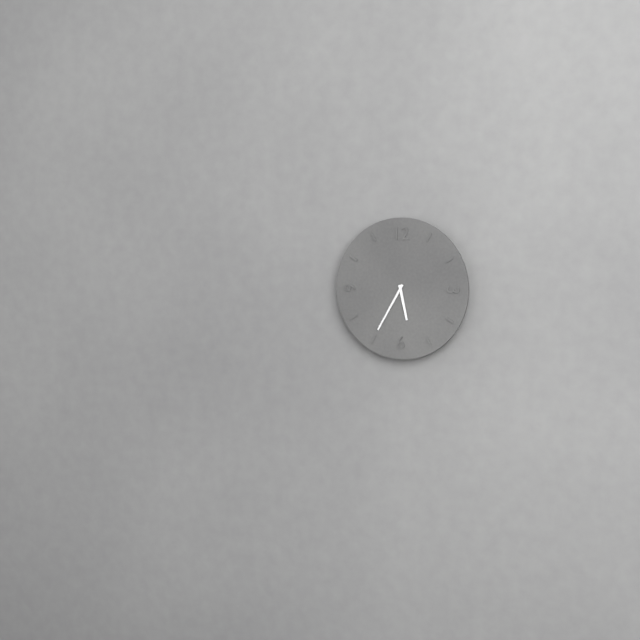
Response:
5.35
